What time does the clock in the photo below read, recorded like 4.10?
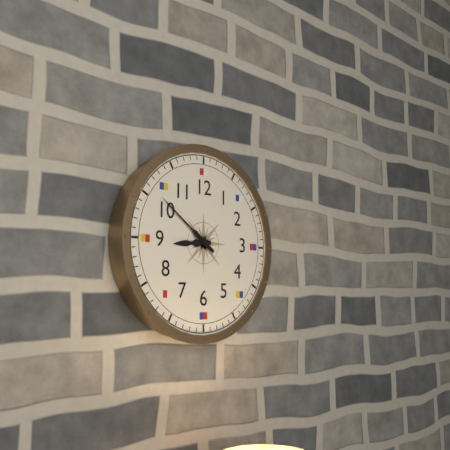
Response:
8.51
